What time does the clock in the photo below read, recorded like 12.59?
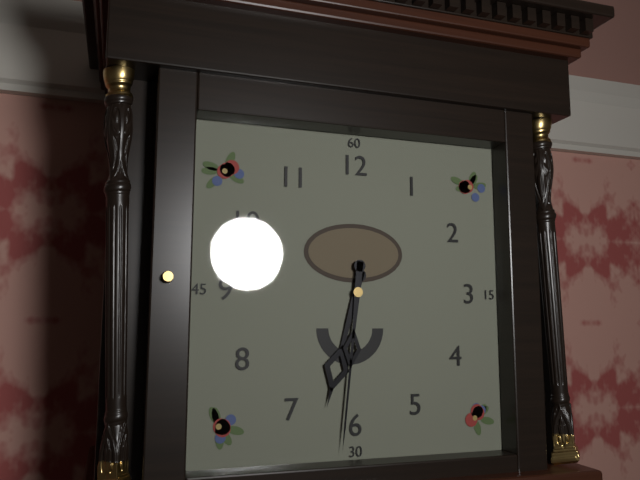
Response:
6.31
